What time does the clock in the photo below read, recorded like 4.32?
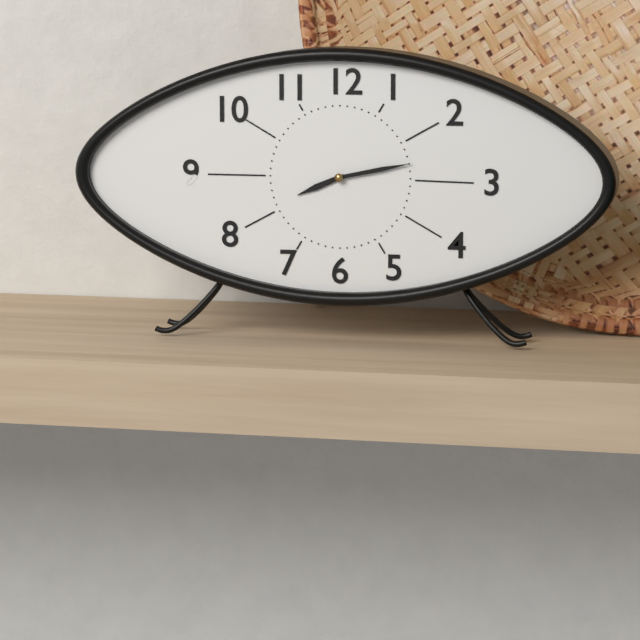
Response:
8.13
